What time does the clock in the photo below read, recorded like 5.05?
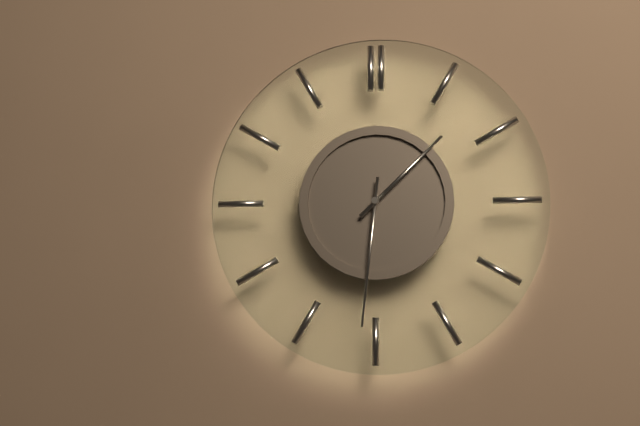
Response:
1.31
